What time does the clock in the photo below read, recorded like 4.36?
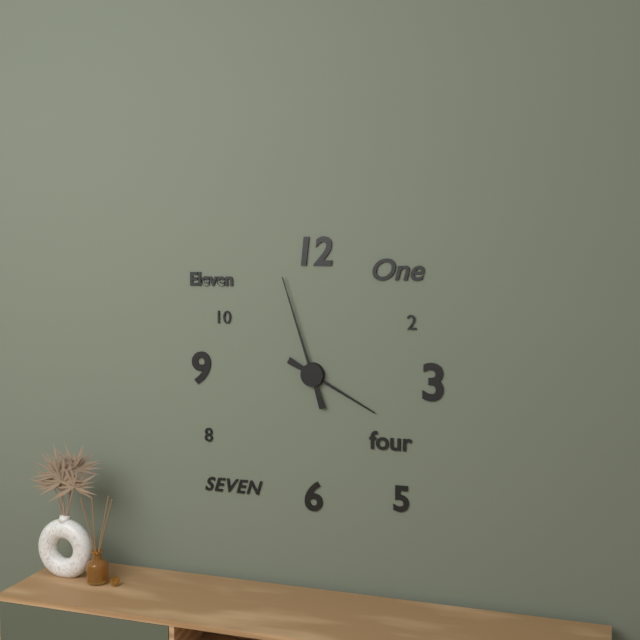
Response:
3.57
